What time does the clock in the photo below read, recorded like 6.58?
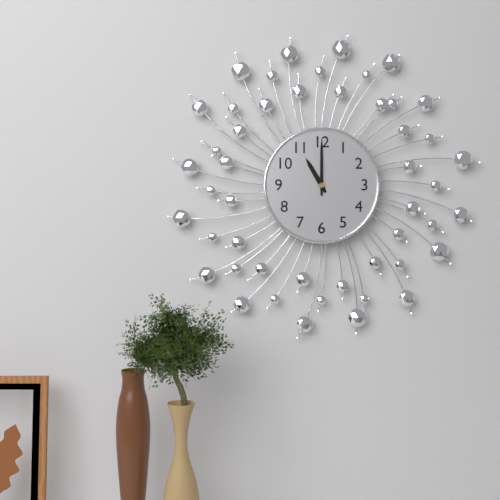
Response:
11.00
